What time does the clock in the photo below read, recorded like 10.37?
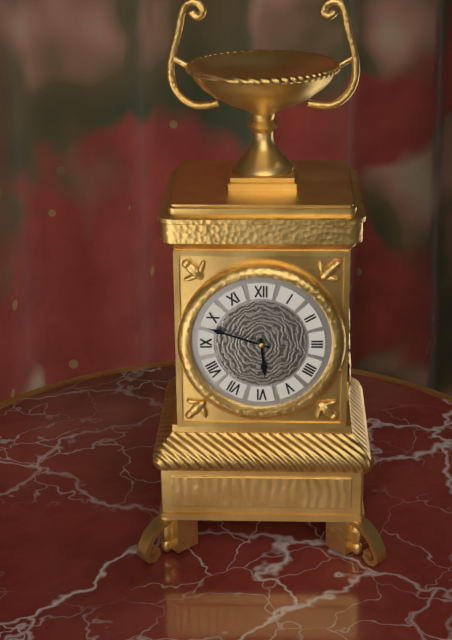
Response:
5.48
